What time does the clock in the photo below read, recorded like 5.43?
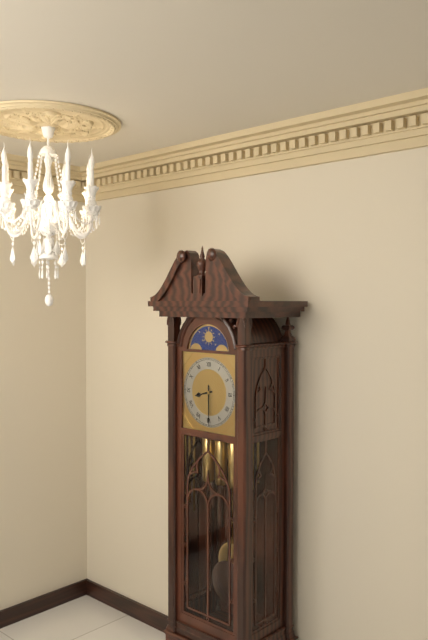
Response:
8.30
